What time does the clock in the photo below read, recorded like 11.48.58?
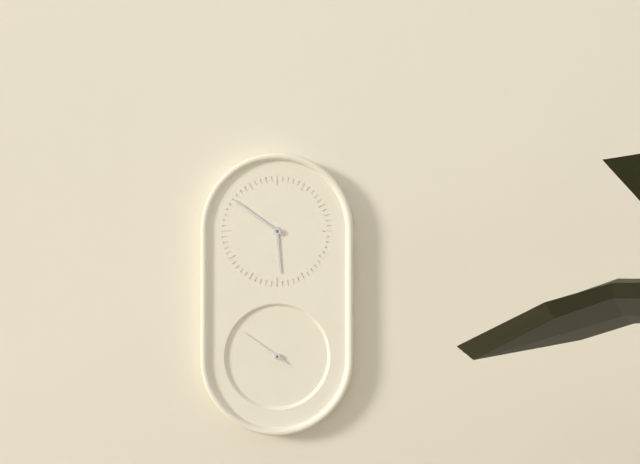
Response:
5.51.51
